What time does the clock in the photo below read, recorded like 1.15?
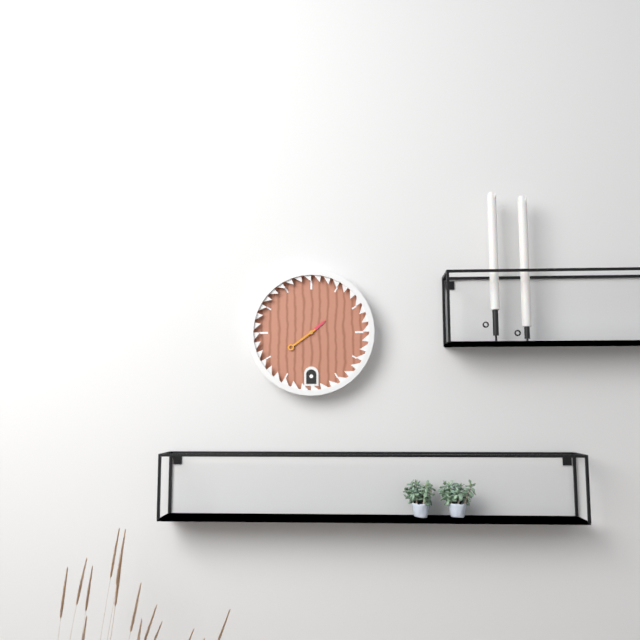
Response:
1.39
